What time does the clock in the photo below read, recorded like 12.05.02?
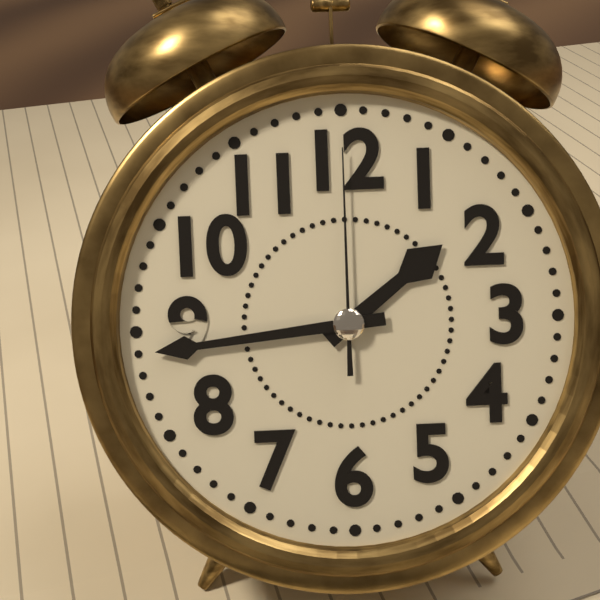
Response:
1.44.00
